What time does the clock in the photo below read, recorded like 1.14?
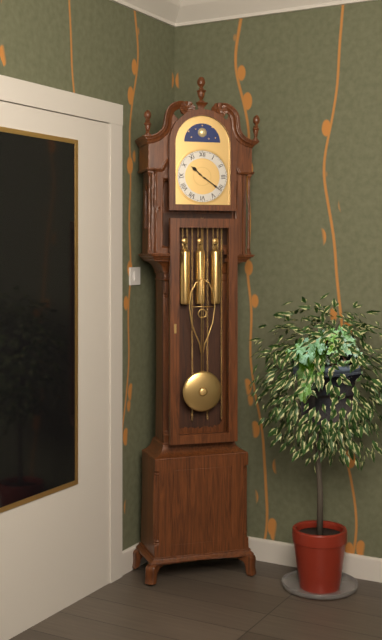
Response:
10.21
